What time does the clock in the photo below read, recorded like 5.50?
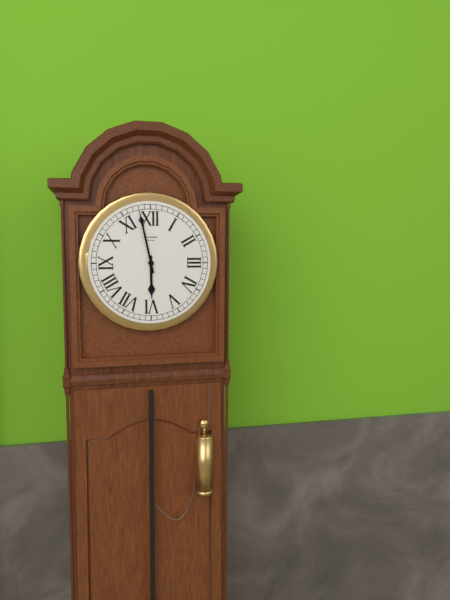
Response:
5.58
